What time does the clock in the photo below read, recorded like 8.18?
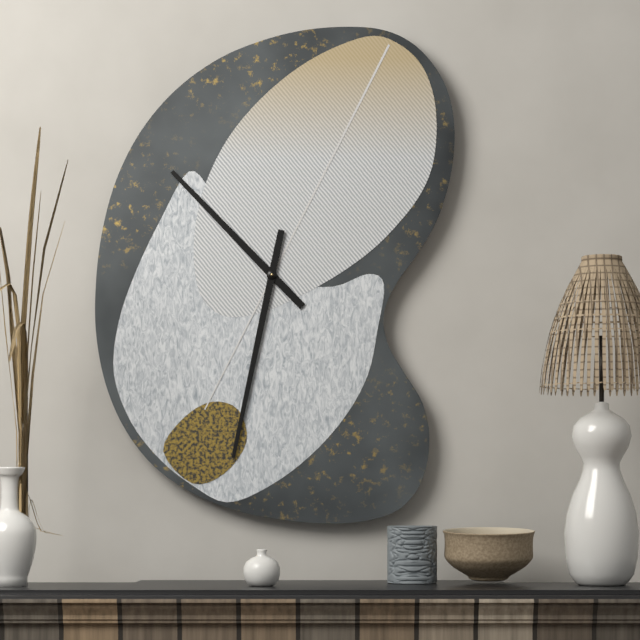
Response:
10.32
